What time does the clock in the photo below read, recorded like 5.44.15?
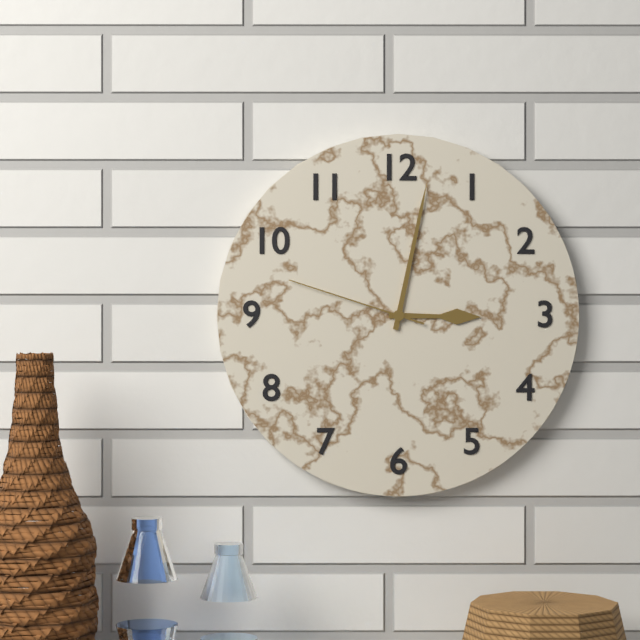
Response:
3.02.48
